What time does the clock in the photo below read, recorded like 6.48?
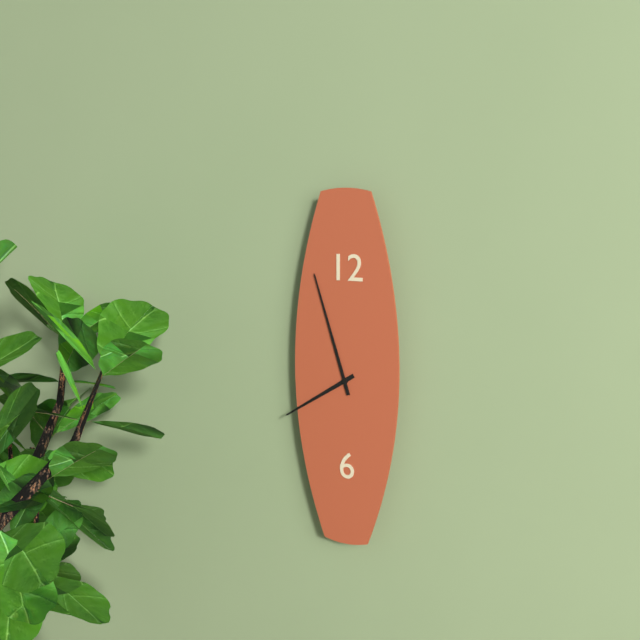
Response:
7.57
